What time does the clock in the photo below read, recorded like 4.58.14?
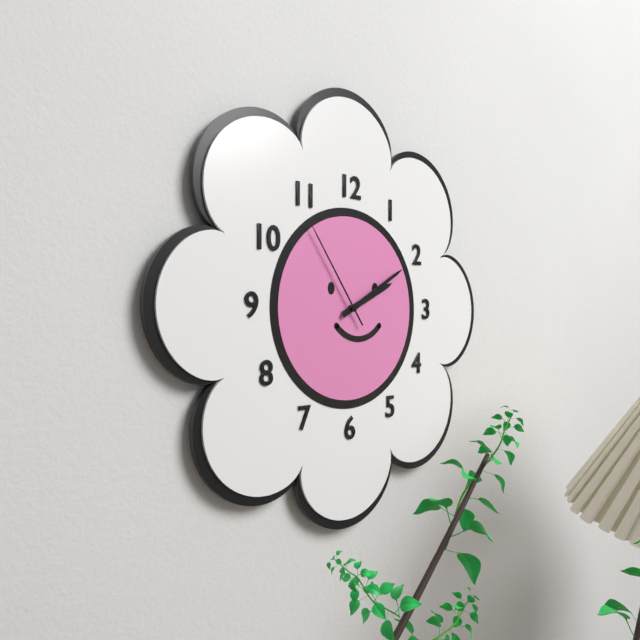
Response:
2.10.54
